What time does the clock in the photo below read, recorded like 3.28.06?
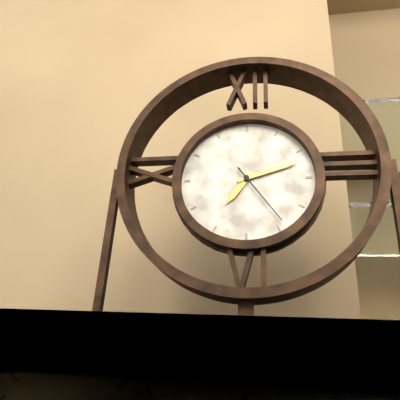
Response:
7.12.24
